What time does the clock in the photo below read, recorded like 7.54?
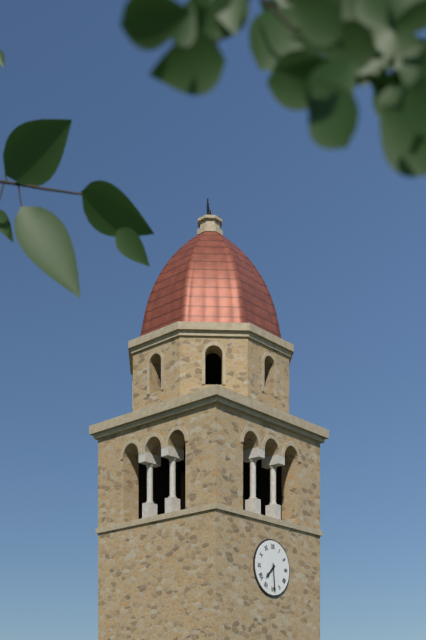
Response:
7.29
